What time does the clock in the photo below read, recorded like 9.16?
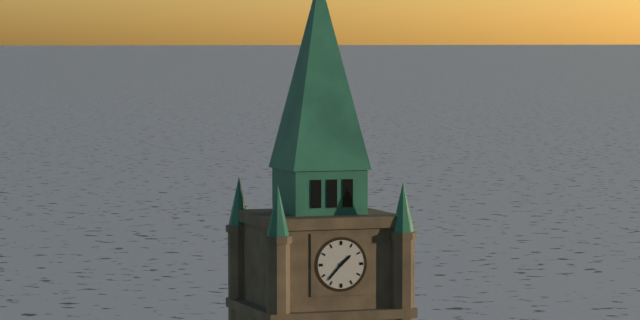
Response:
1.37
